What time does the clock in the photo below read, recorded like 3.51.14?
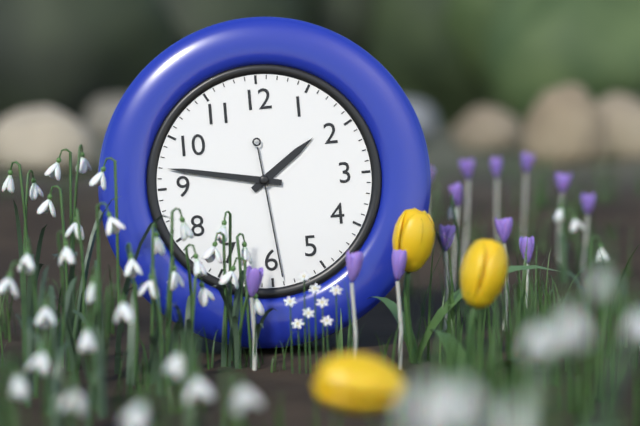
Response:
1.47.29
